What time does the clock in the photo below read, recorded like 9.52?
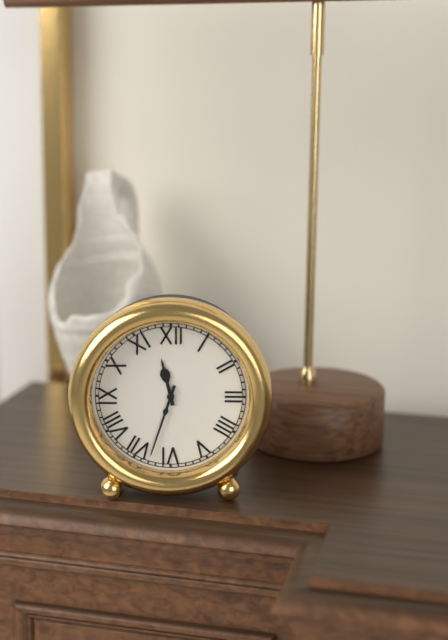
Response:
11.33
